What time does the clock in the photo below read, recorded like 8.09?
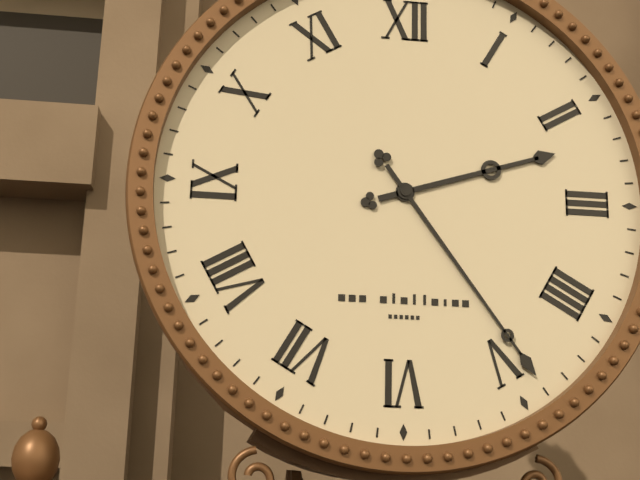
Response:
2.24
